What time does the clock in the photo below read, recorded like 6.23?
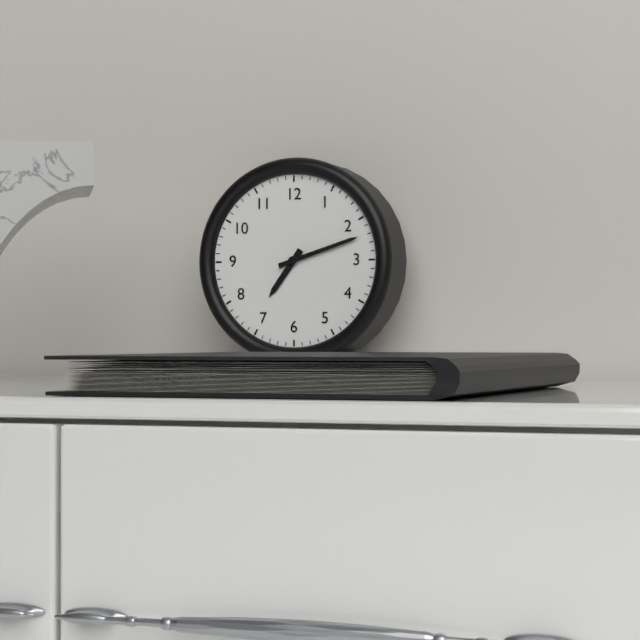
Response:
7.12
